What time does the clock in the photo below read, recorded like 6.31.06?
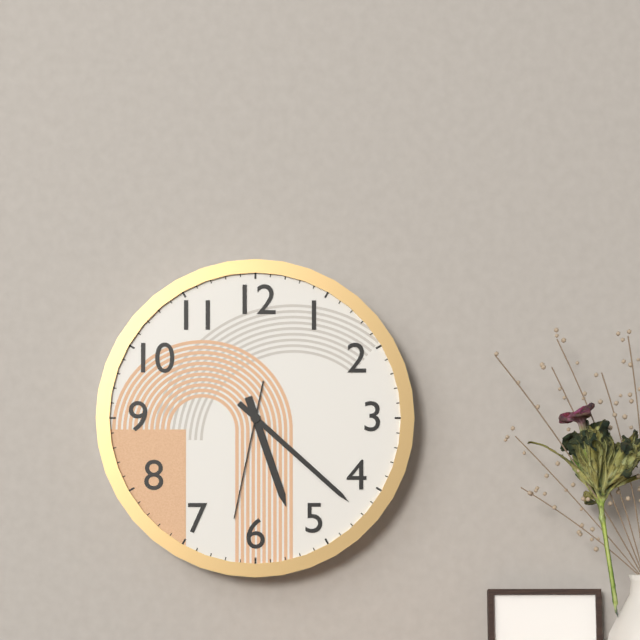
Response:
5.22.32
